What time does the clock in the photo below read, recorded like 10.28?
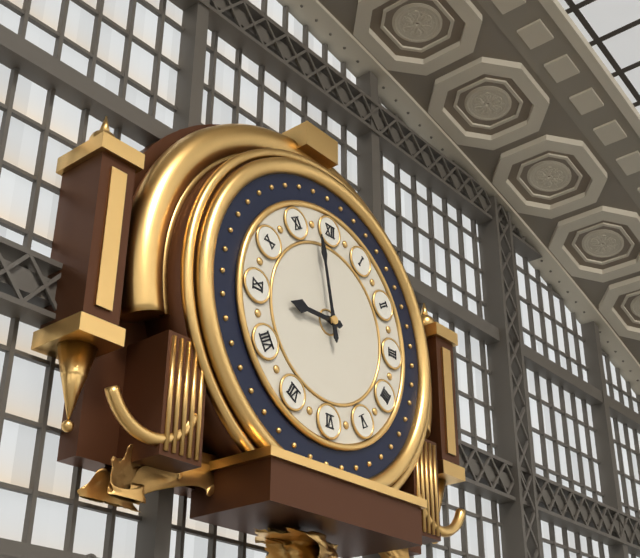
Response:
8.58
